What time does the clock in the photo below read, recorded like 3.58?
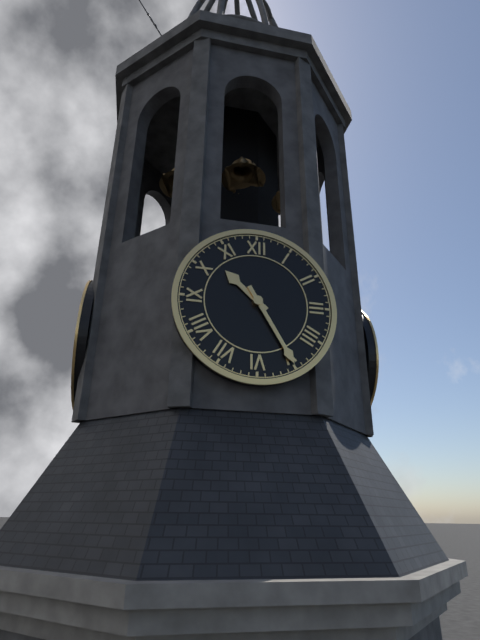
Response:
10.25
